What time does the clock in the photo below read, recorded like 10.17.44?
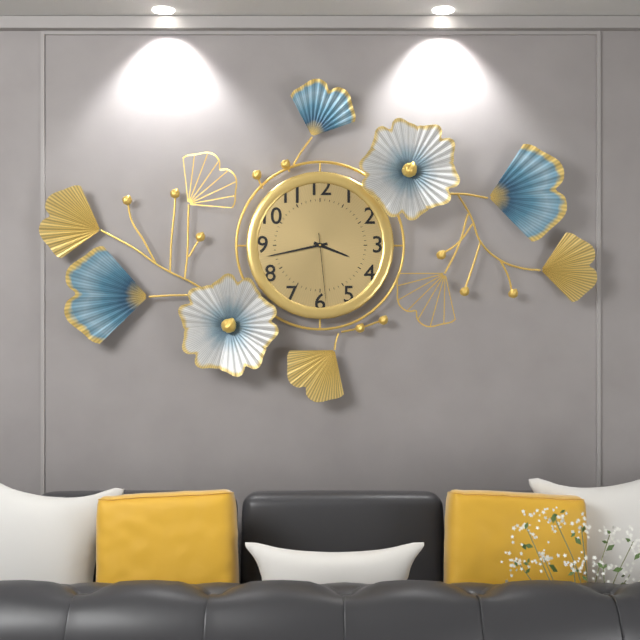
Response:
3.43.29
